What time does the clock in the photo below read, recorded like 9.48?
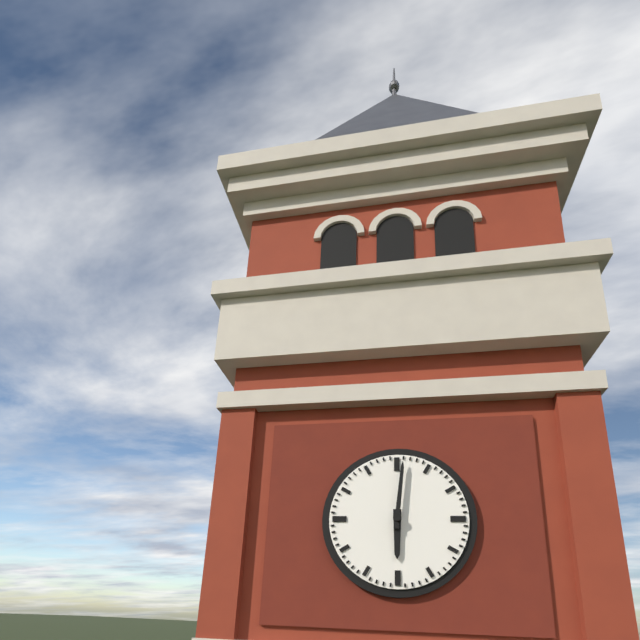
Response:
6.01
